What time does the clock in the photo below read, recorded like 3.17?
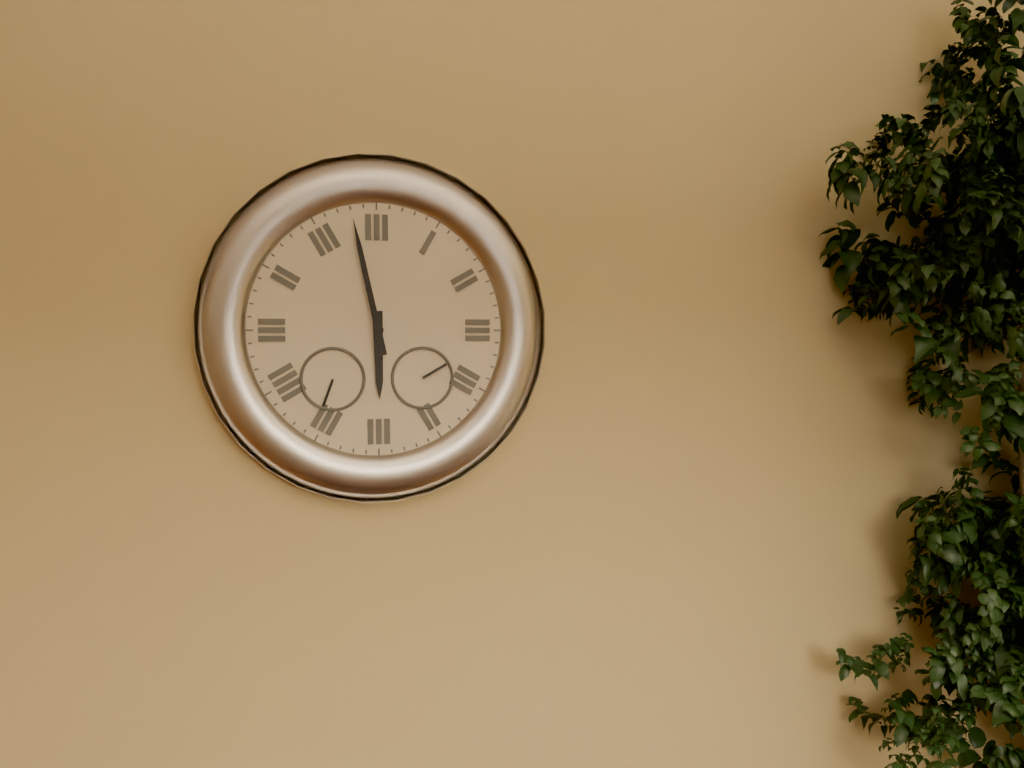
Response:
5.58
